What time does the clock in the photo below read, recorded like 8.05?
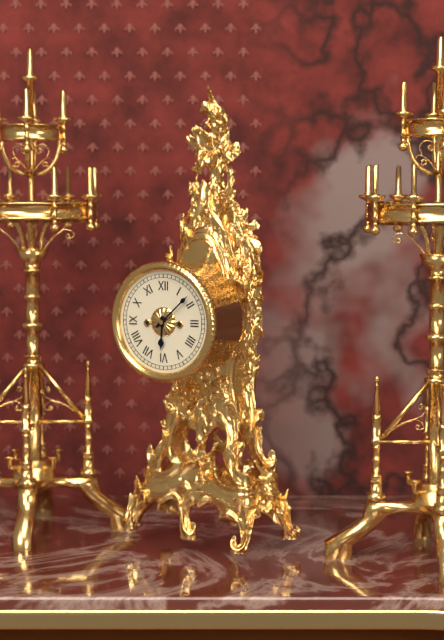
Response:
6.08
